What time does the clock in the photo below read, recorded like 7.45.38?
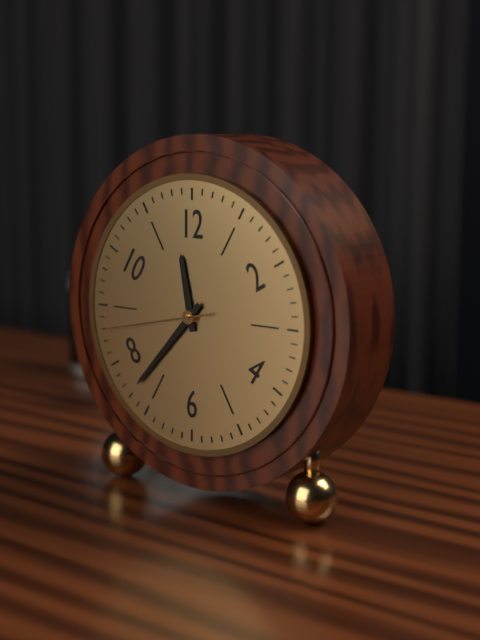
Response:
11.37.43
